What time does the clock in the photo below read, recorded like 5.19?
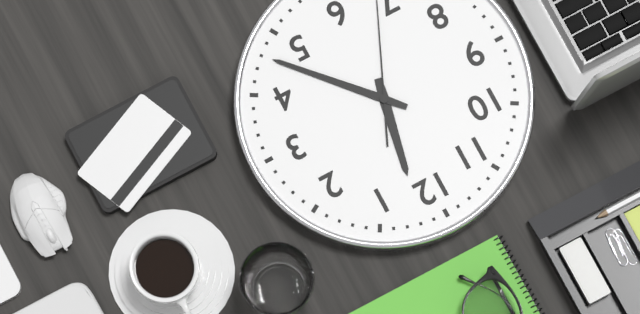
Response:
12.23
